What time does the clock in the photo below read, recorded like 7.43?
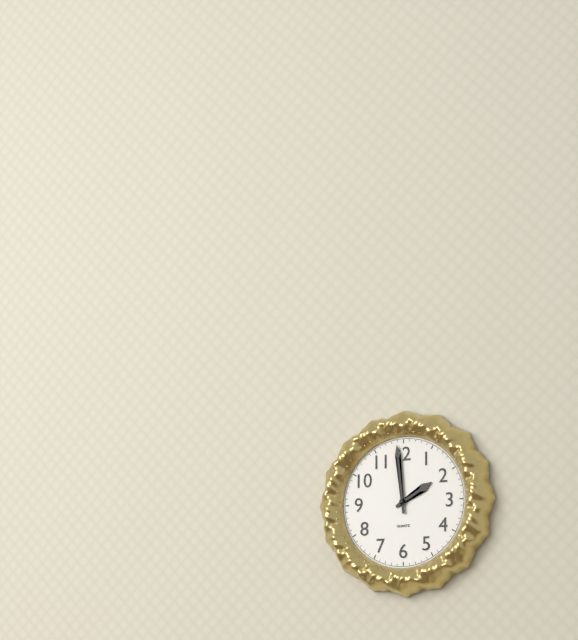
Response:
1.59
